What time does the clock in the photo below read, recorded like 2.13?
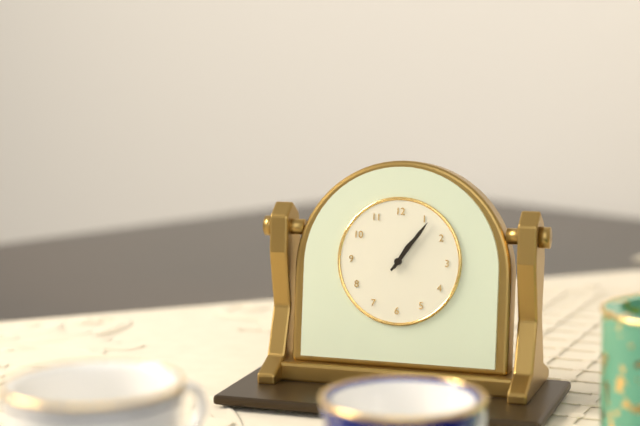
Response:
1.06
